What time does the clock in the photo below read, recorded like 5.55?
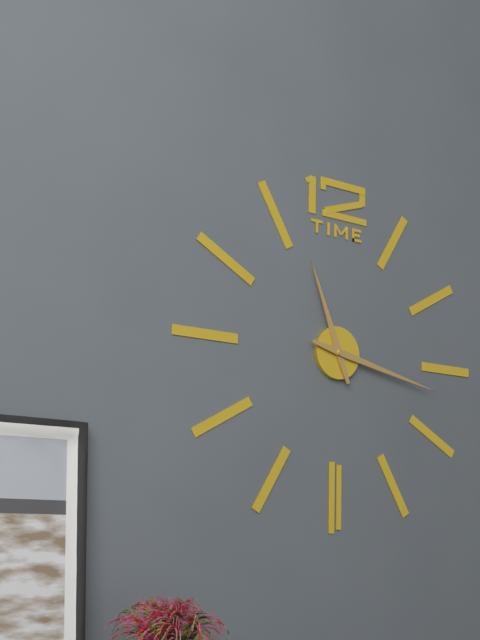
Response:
11.17
